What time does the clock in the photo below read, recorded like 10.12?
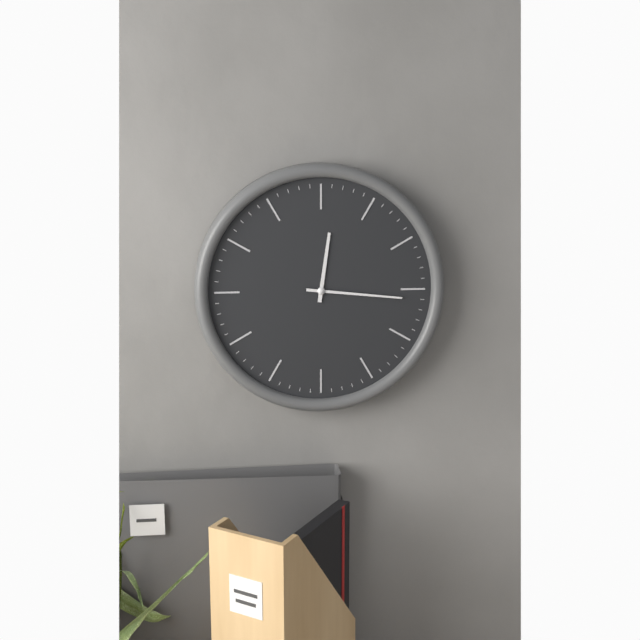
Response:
12.16
